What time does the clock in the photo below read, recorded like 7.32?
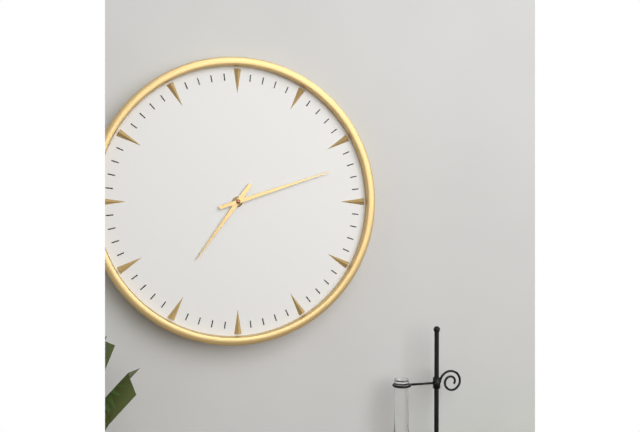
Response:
7.12
